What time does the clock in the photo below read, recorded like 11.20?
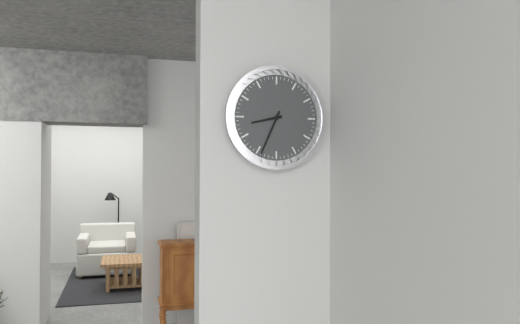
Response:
8.34
